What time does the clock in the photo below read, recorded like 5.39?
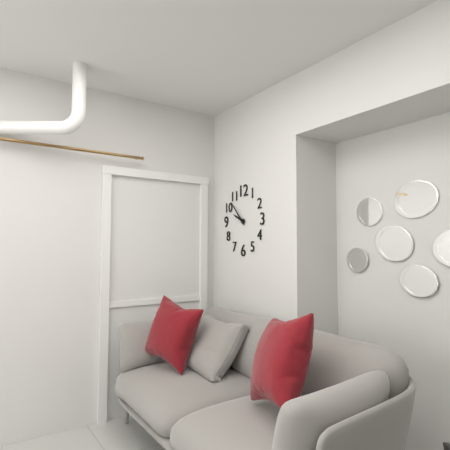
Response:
9.53
